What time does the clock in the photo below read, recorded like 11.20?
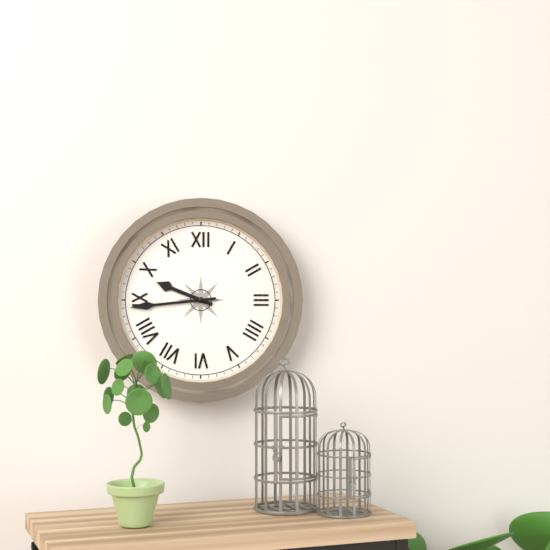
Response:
9.44
